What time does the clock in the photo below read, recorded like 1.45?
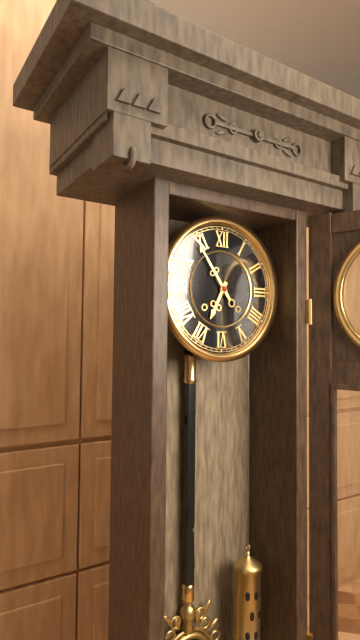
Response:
6.54
